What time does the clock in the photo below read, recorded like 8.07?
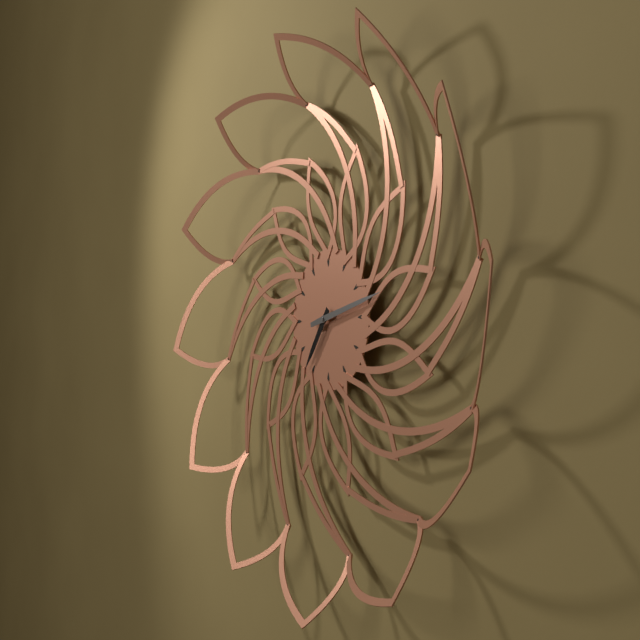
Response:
7.13
